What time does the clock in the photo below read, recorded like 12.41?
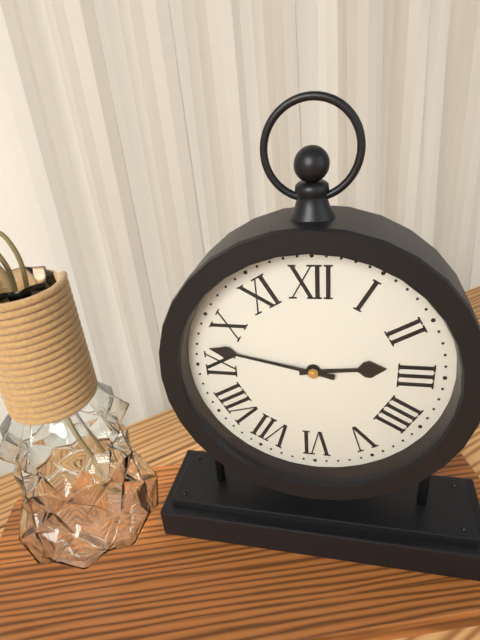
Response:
2.47
